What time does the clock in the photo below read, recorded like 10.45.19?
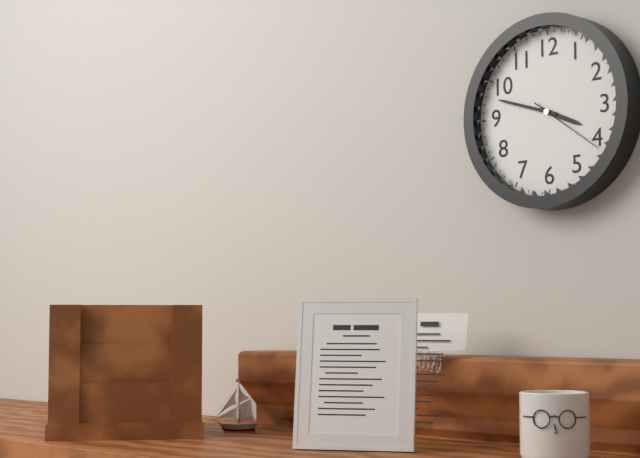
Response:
3.48.21
